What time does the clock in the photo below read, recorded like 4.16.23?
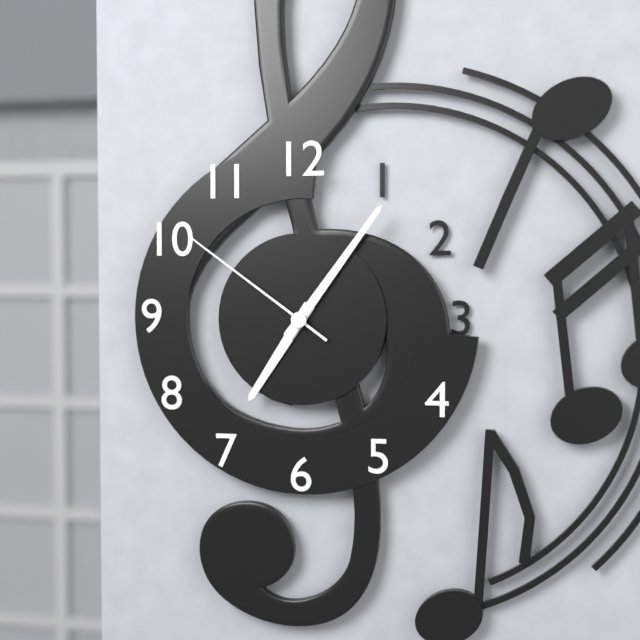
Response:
7.06.51
